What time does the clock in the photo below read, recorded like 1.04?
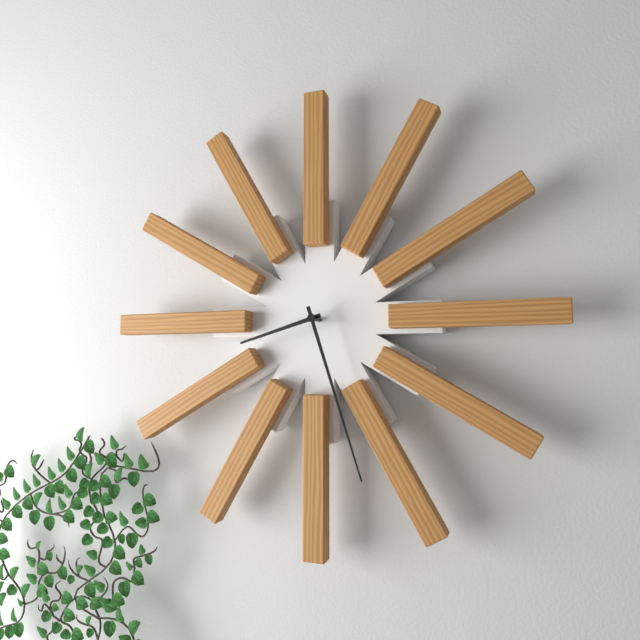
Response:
8.27
